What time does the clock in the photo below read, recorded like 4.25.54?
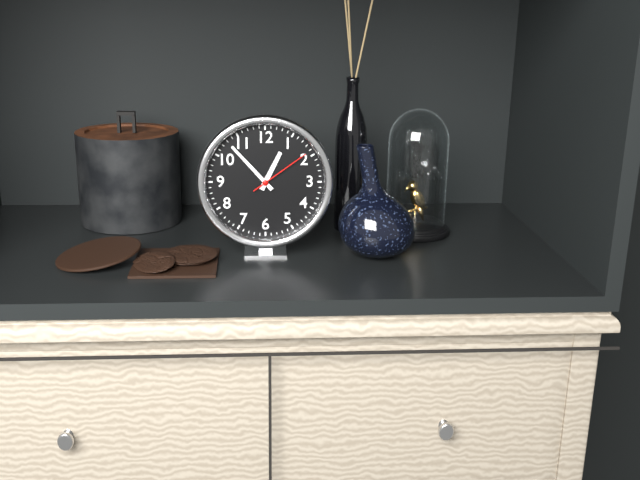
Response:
12.53.09
